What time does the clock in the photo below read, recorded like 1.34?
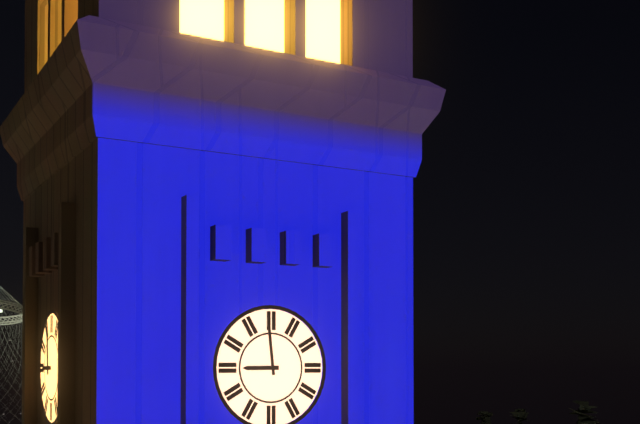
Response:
8.59
